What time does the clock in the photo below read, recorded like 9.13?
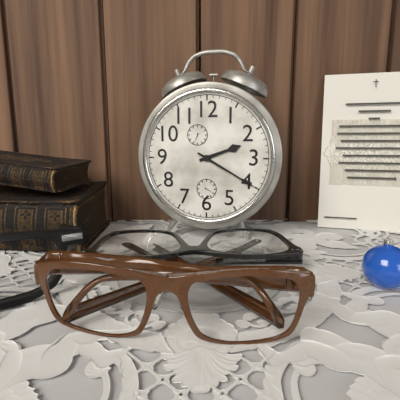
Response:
2.20
